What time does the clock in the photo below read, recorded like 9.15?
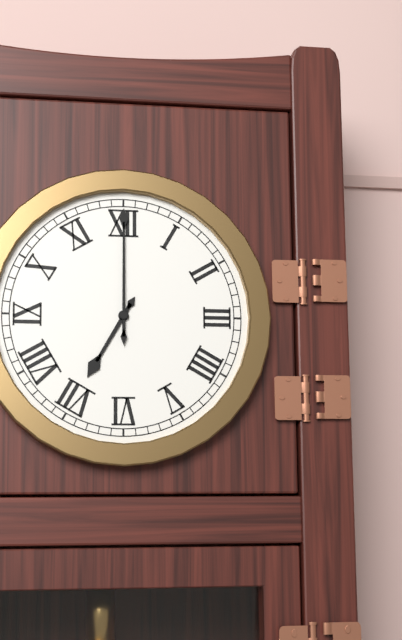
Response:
7.00
